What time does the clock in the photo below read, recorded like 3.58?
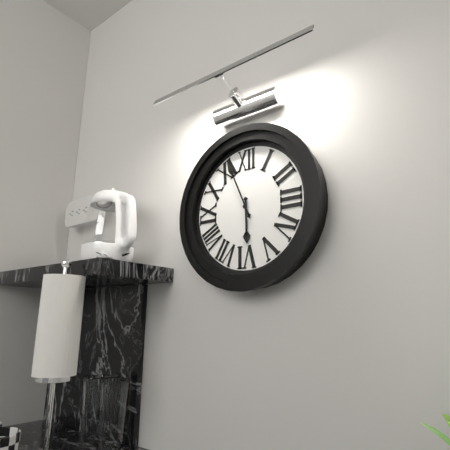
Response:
5.56
